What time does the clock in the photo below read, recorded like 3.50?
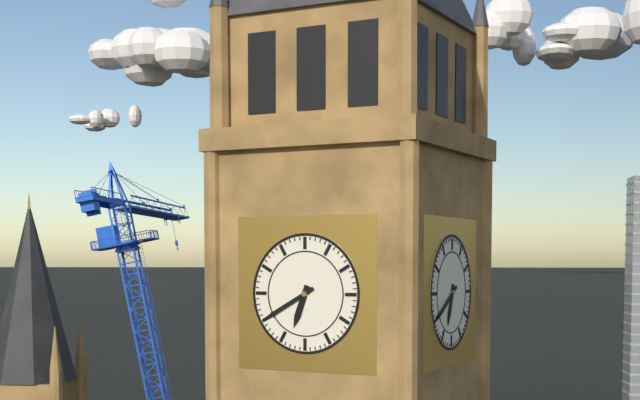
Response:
6.40
